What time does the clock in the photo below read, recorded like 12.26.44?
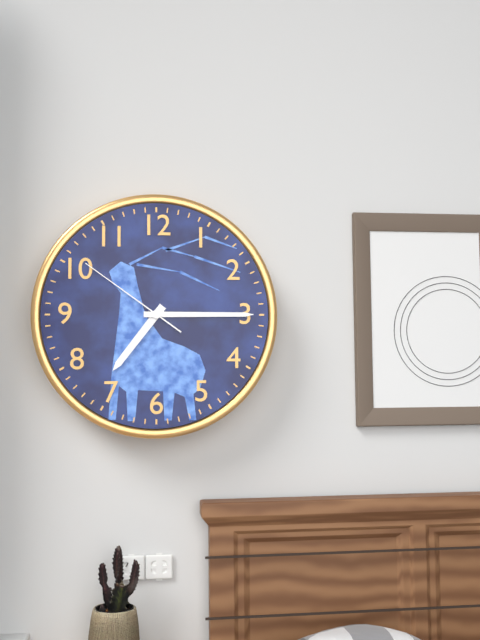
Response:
7.15.51
